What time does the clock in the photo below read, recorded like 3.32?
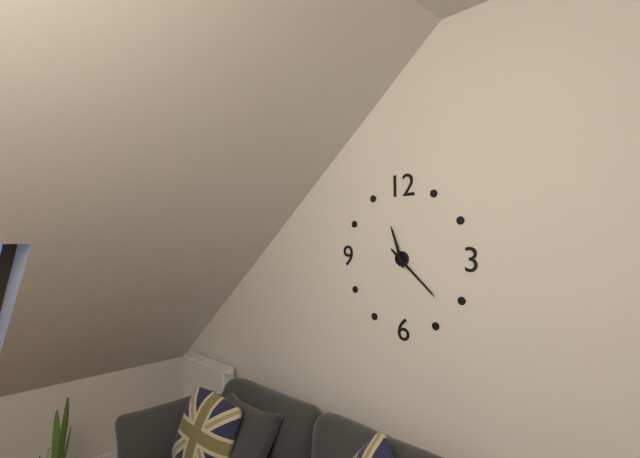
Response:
11.22
